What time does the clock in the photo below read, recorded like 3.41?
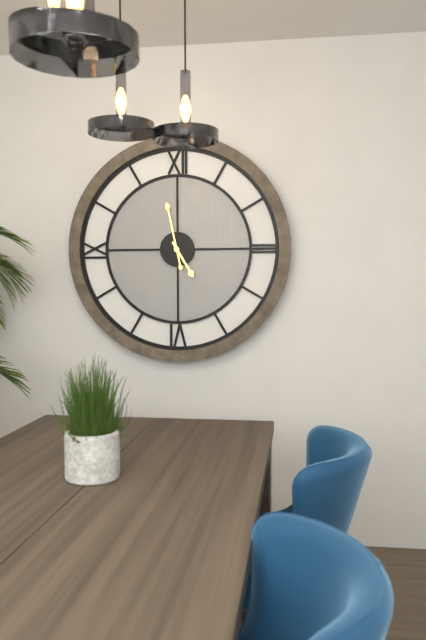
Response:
4.58
